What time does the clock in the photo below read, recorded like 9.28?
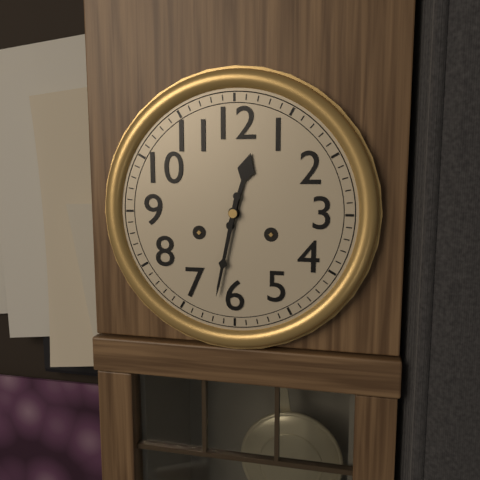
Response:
12.32
